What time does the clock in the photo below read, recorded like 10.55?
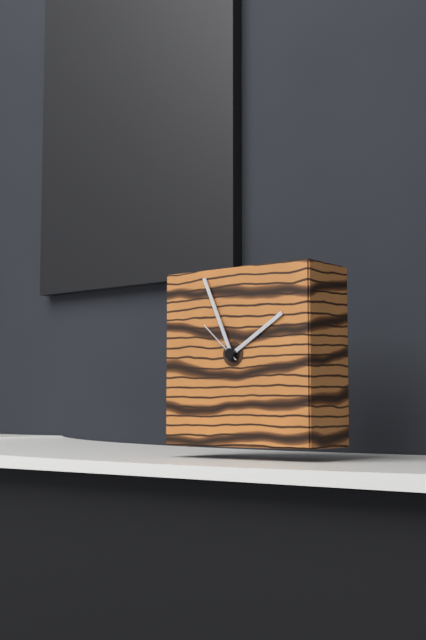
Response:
1.56
